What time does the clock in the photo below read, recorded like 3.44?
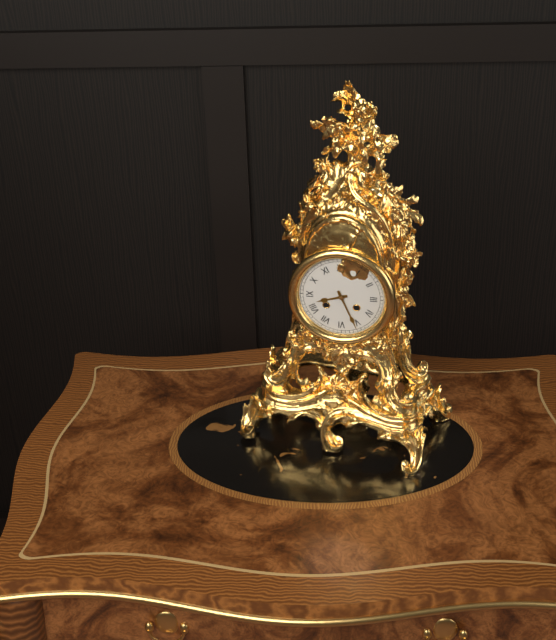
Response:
8.26
